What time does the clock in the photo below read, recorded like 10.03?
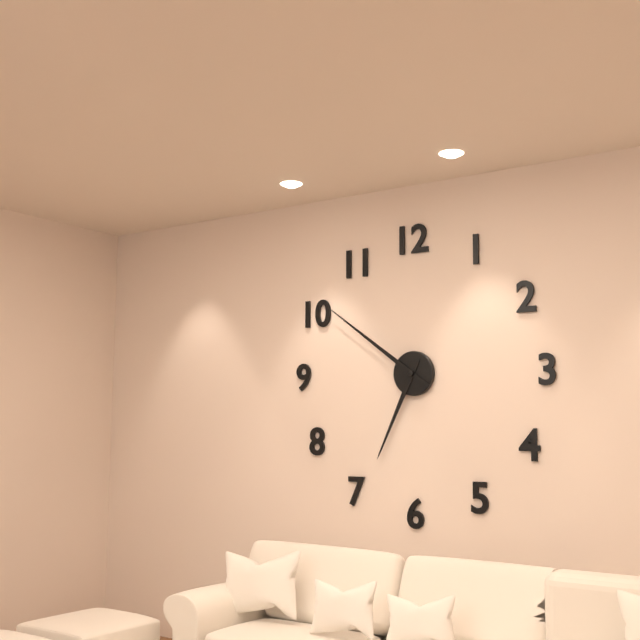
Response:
6.51
